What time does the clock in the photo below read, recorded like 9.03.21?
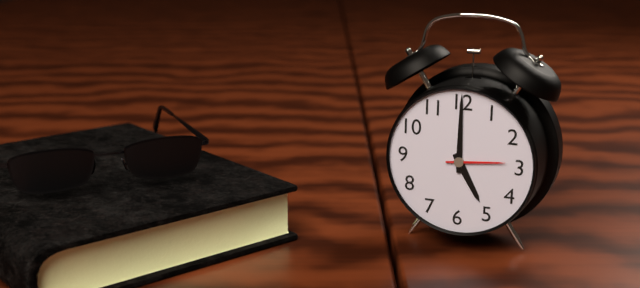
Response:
5.00.14
